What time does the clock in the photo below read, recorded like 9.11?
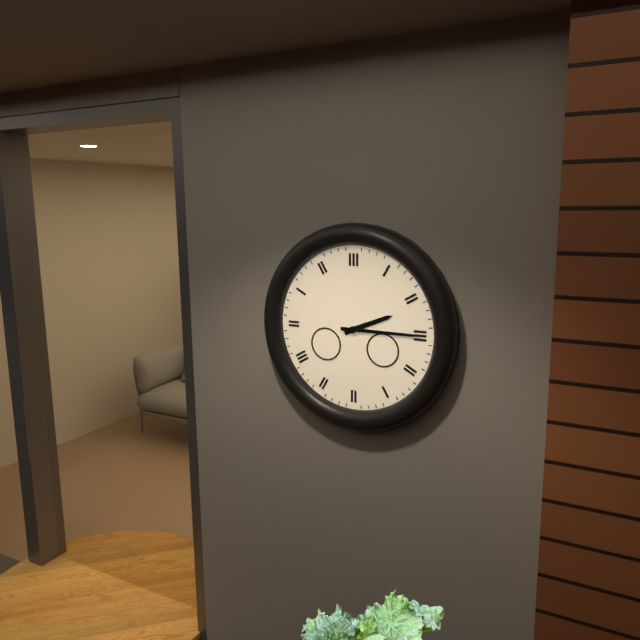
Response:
2.15
